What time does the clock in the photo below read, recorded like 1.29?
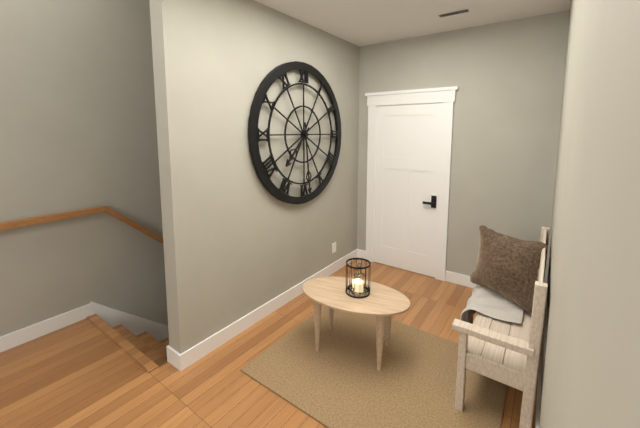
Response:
7.29
